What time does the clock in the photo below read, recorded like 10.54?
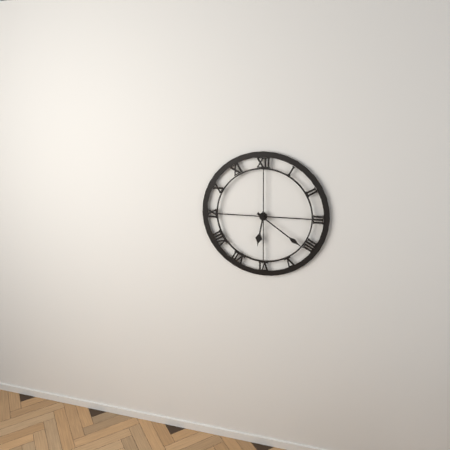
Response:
6.21
